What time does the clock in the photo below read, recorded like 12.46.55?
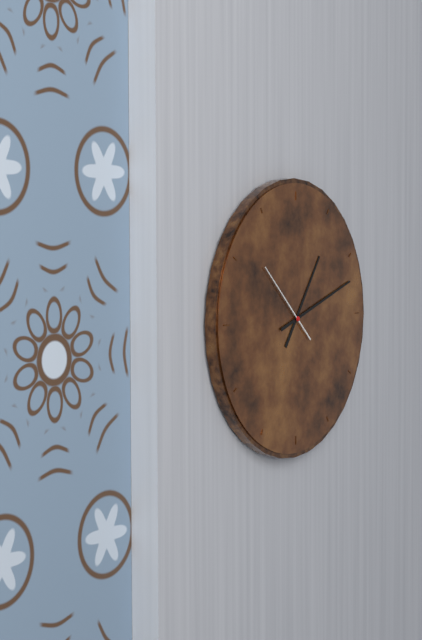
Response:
1.12.52
